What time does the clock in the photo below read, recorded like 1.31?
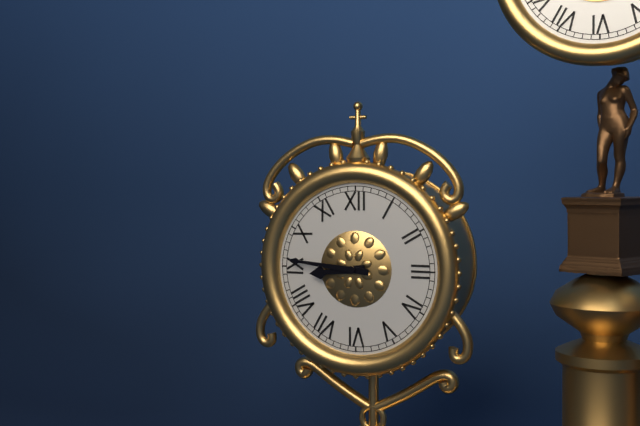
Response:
8.46
